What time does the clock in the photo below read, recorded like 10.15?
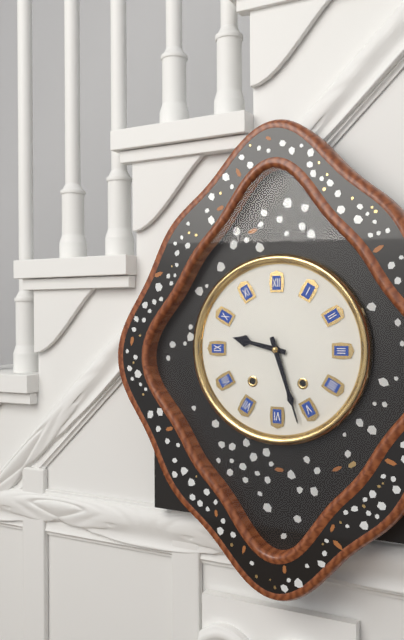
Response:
9.27
